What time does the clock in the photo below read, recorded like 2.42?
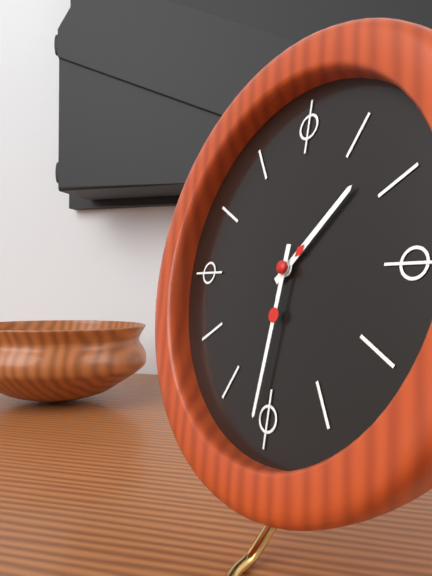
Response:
1.31
